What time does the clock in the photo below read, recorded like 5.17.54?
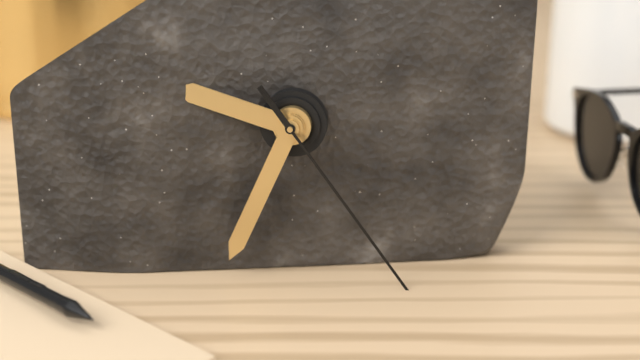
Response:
9.34.24
